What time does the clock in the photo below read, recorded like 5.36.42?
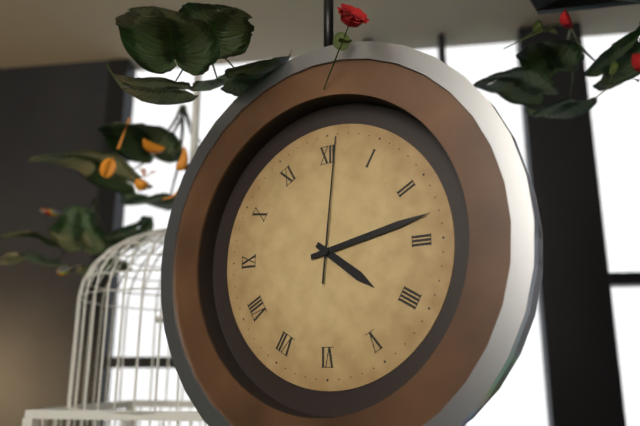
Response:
4.13.01
